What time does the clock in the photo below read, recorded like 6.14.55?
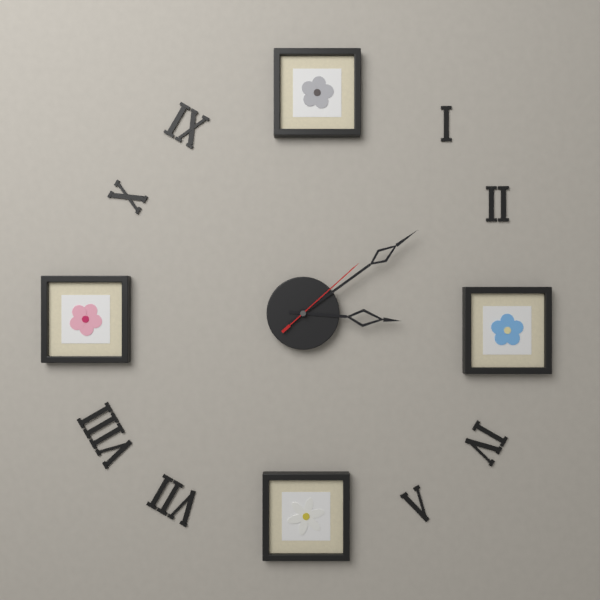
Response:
3.09.08
